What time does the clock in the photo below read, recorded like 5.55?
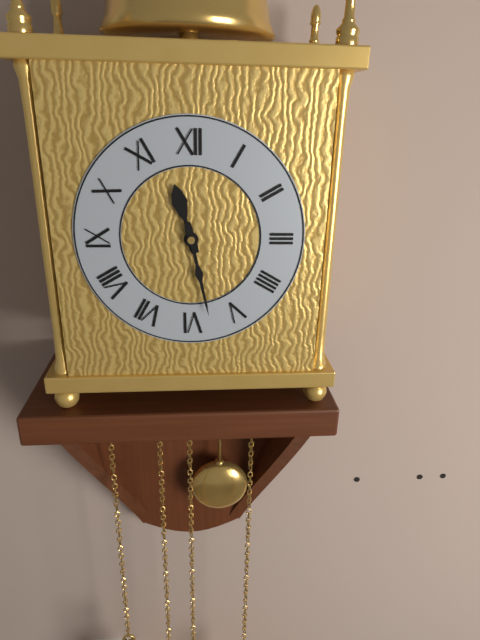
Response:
11.28
